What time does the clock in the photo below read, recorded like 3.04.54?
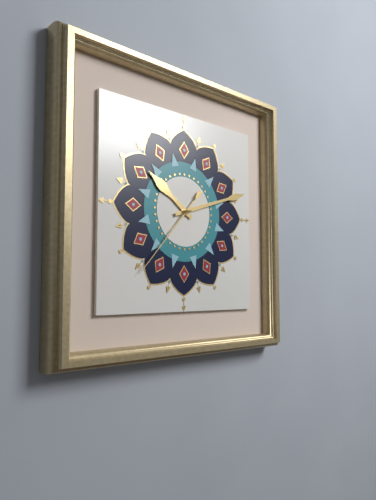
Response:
10.12.37
